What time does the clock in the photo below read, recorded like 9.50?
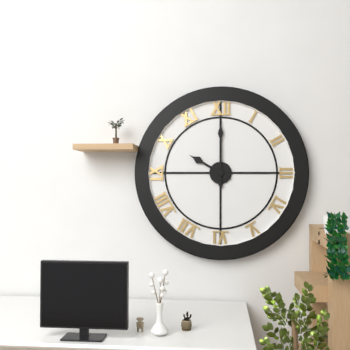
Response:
10.00
